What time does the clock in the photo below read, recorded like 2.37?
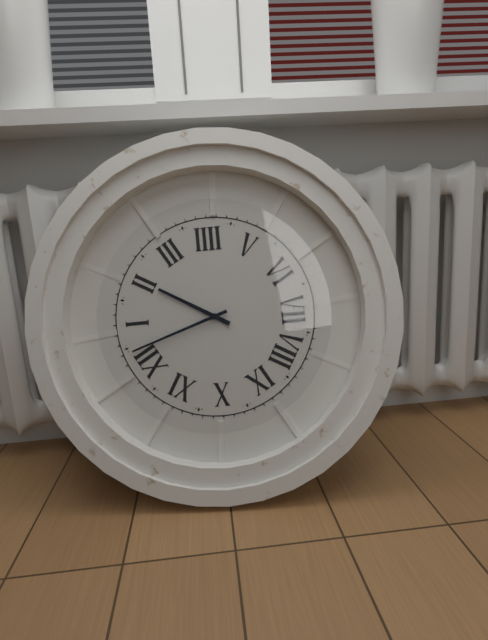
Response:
2.02
